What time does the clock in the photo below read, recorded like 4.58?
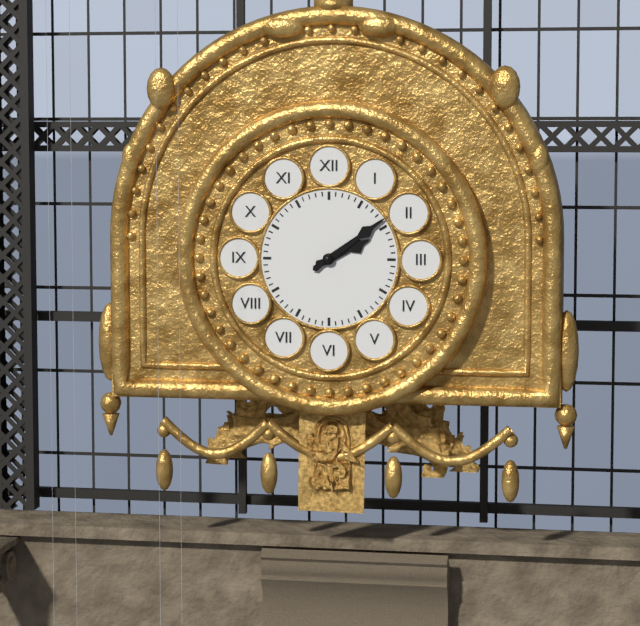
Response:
2.09
